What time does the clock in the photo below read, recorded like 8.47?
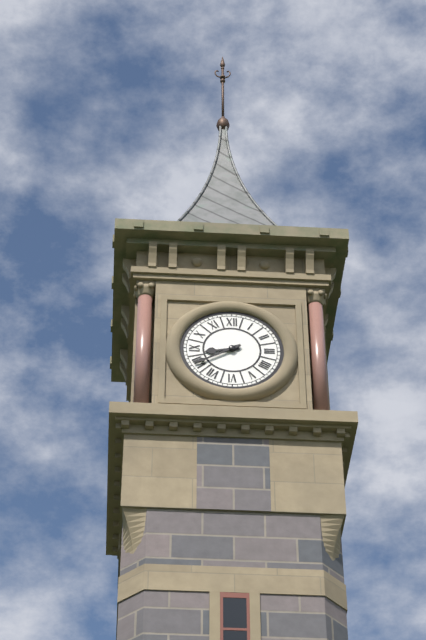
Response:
8.40
